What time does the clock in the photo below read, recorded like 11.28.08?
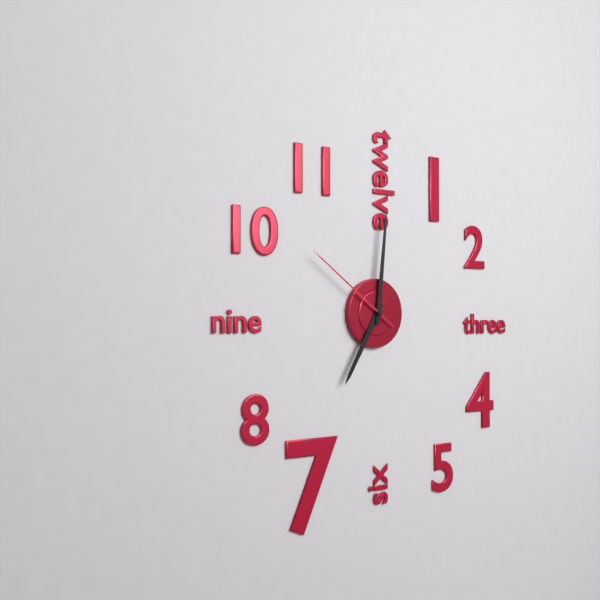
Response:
7.01.51
